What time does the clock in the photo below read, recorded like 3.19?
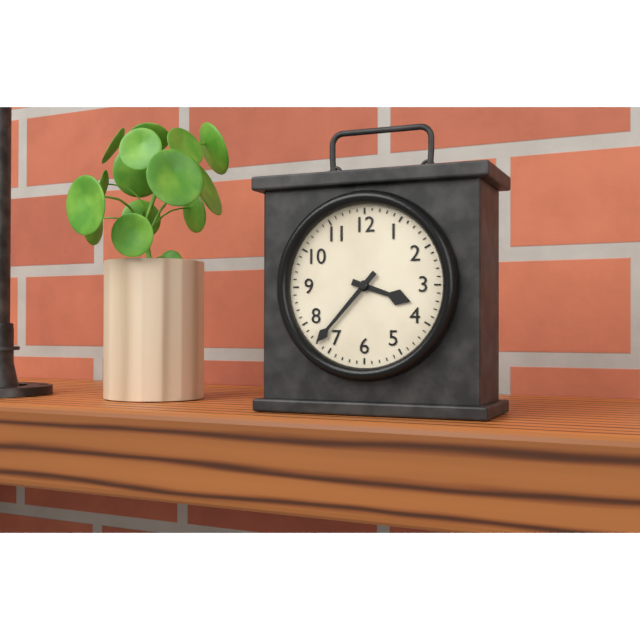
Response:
3.37
